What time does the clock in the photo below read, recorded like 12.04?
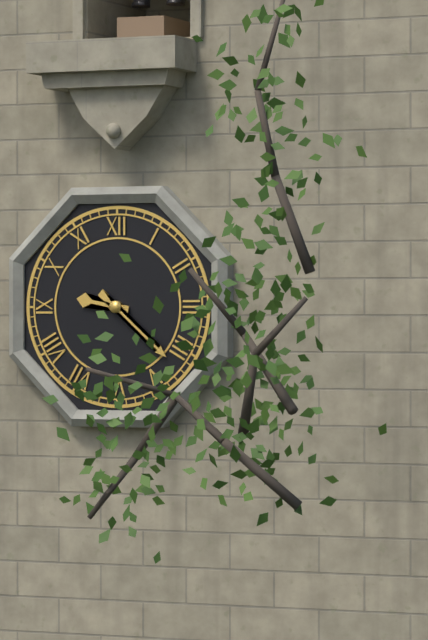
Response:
9.22
